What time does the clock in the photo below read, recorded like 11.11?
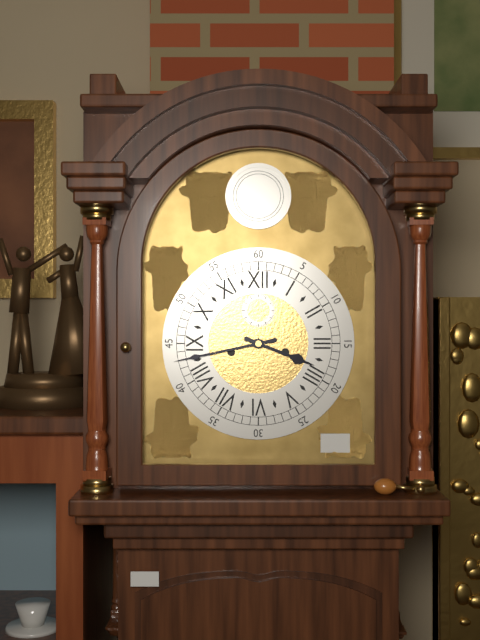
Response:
3.43
